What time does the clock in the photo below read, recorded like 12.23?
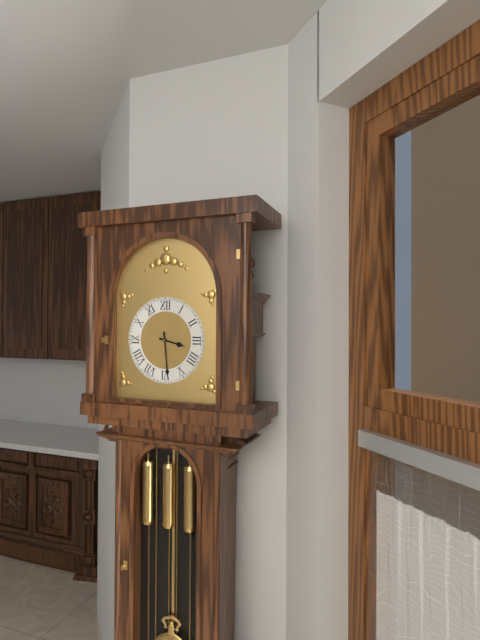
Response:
3.29
